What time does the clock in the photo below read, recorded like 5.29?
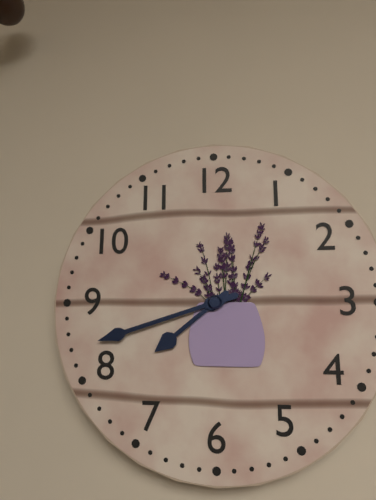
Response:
7.42
